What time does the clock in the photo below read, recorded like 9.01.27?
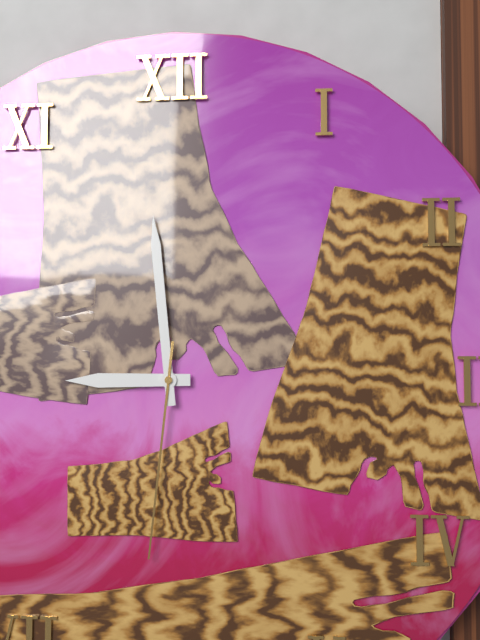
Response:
8.59.31
